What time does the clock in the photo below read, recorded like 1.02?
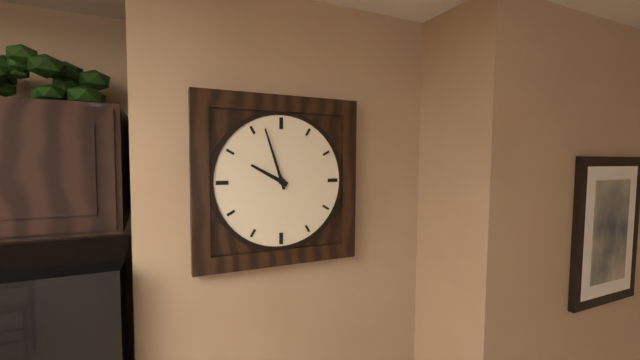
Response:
9.57
